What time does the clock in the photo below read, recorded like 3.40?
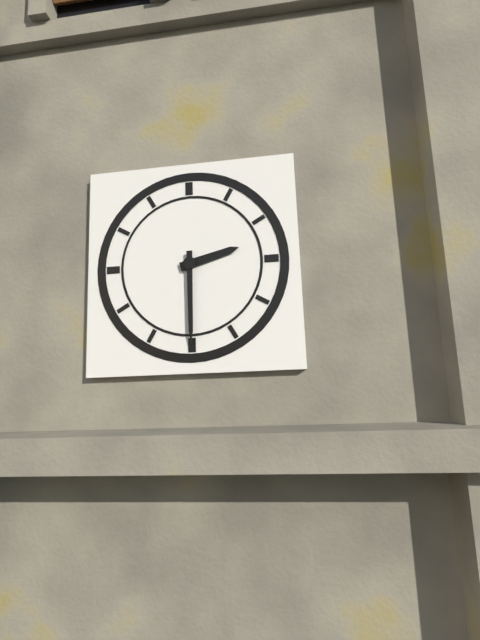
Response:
2.30
